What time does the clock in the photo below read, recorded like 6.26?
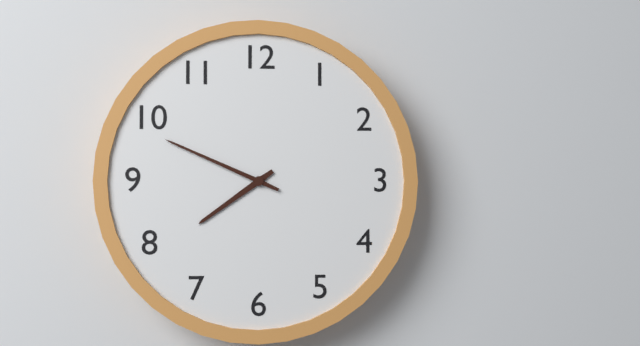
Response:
7.49
